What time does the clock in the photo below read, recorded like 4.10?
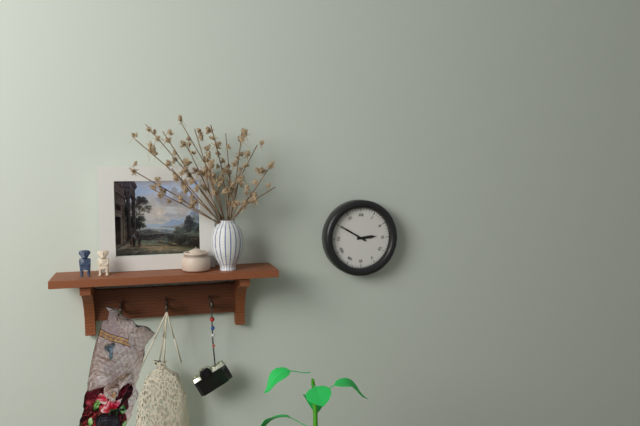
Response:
2.50
